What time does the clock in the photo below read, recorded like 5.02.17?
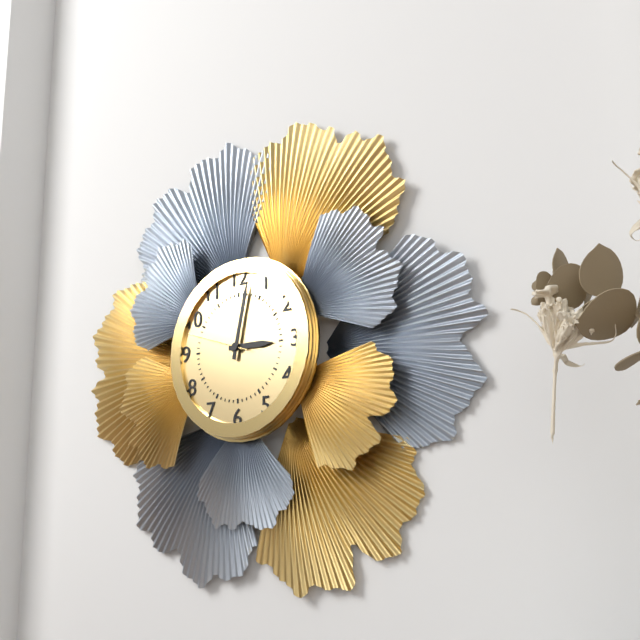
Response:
3.02.48
